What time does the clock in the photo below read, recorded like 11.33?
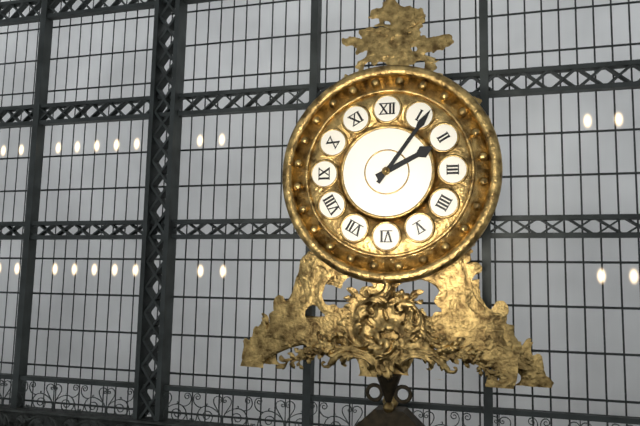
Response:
2.06
